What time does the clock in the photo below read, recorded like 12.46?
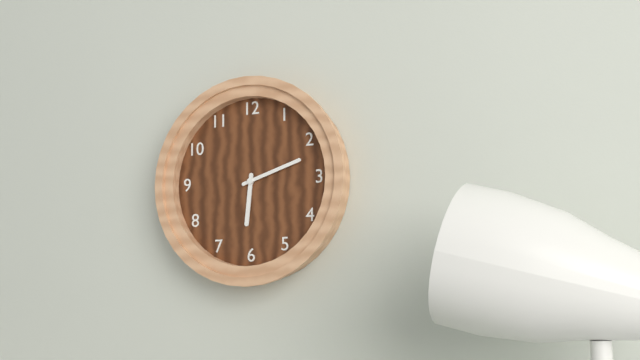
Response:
6.12
